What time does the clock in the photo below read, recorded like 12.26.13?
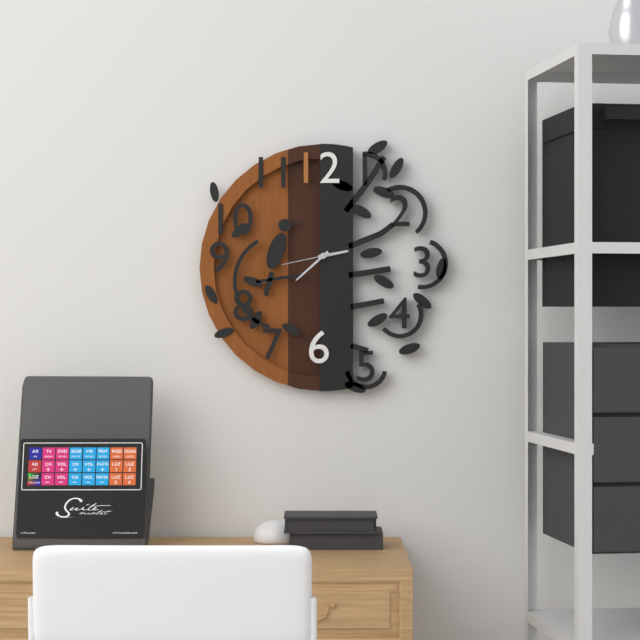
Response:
2.38.43
